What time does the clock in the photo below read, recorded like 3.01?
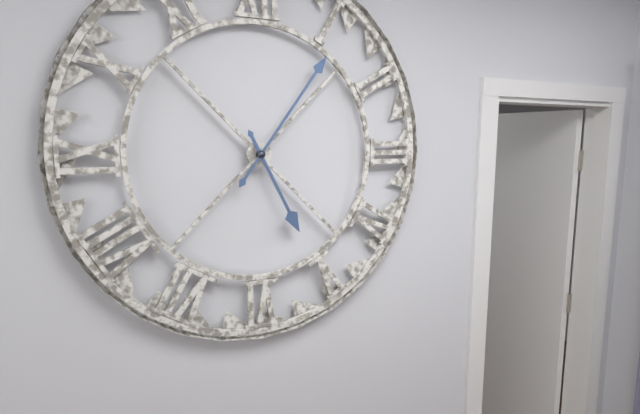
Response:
5.06
